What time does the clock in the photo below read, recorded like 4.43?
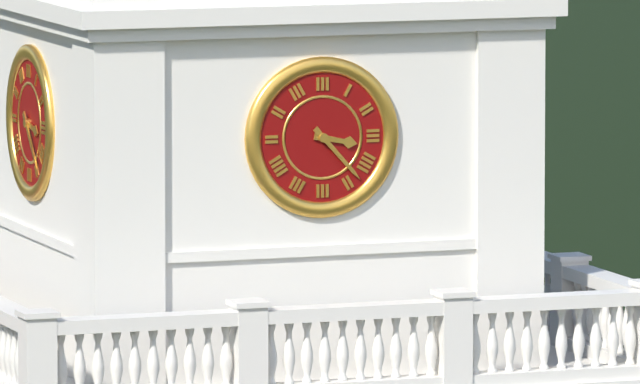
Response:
3.23
